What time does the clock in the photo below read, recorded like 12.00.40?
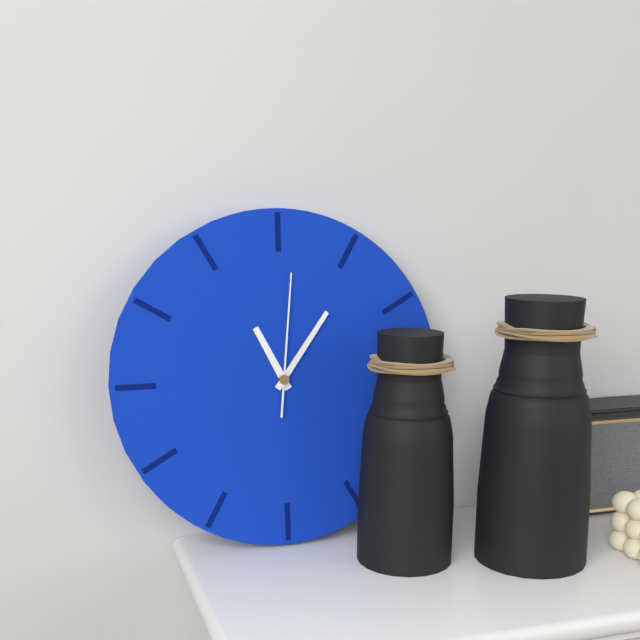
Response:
11.06.01
